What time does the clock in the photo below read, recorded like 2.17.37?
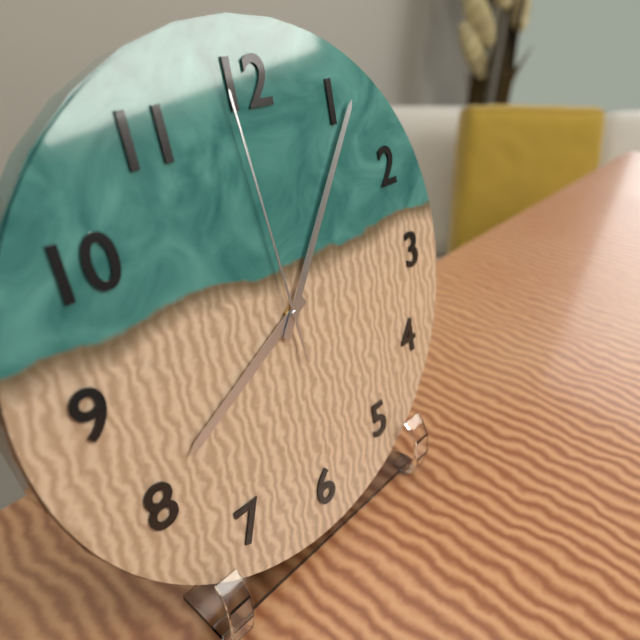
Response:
8.06.59
